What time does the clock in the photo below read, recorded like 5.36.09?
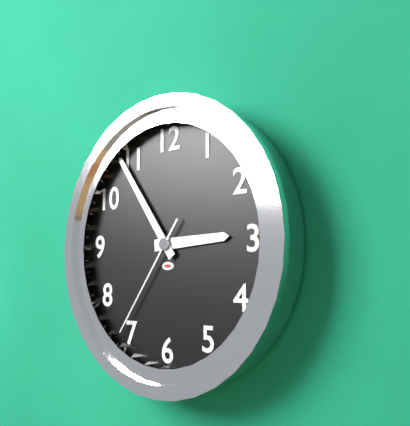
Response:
2.54.36
